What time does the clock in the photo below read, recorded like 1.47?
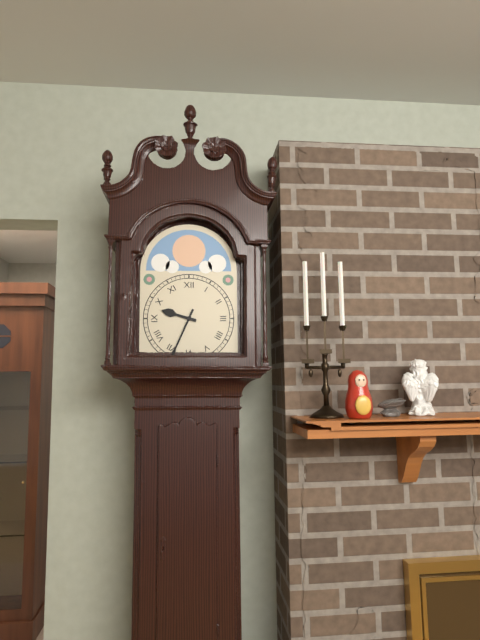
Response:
9.34
